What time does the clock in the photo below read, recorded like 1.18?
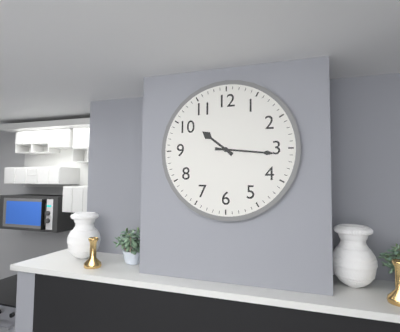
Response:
10.16
